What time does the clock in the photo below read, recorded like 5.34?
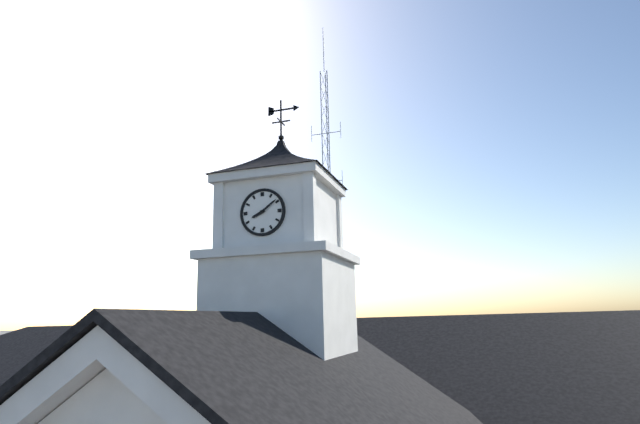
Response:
8.09
